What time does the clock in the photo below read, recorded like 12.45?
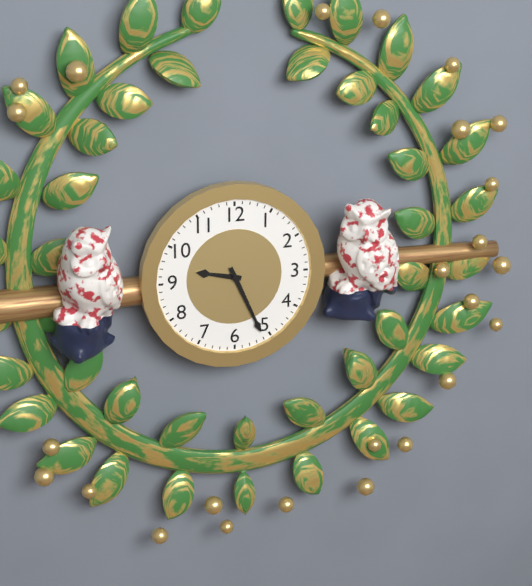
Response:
9.26
